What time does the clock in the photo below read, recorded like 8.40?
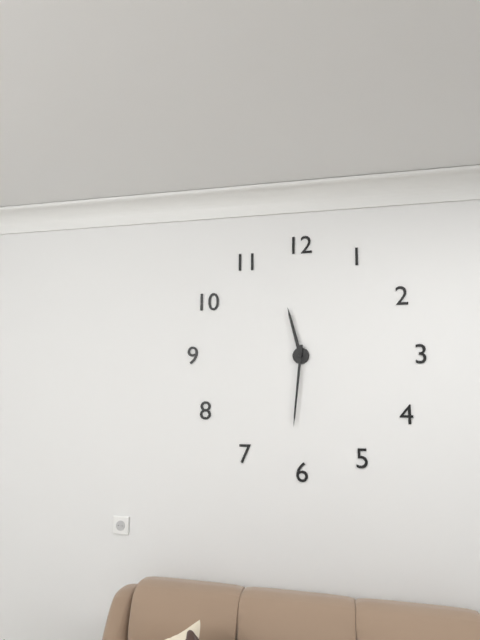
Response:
11.31
